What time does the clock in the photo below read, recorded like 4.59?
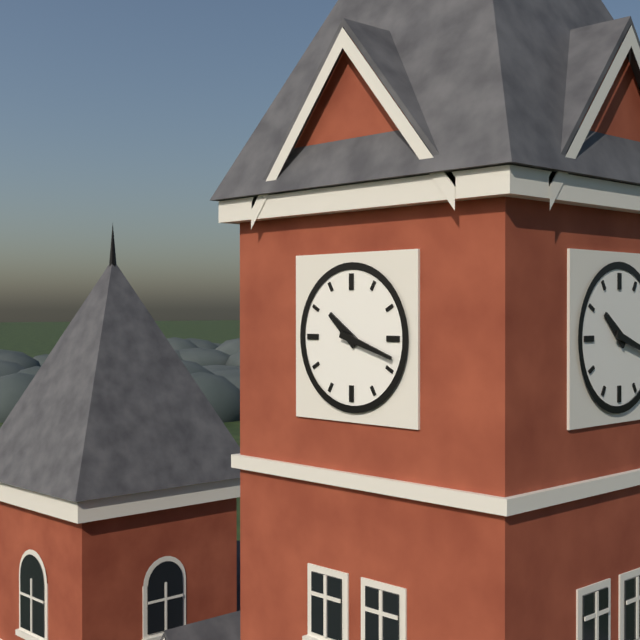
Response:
10.18
